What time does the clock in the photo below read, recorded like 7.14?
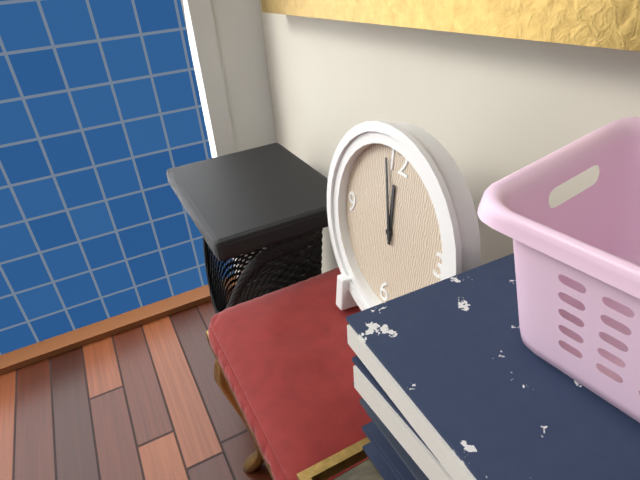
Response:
11.58
